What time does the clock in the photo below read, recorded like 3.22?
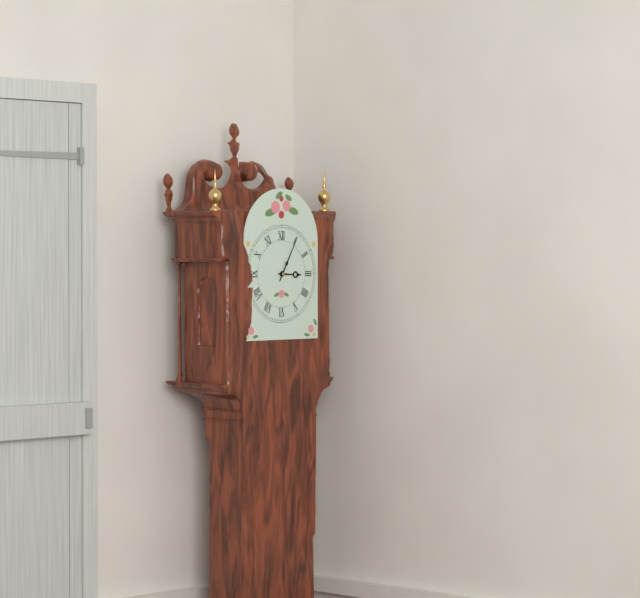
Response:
3.05
